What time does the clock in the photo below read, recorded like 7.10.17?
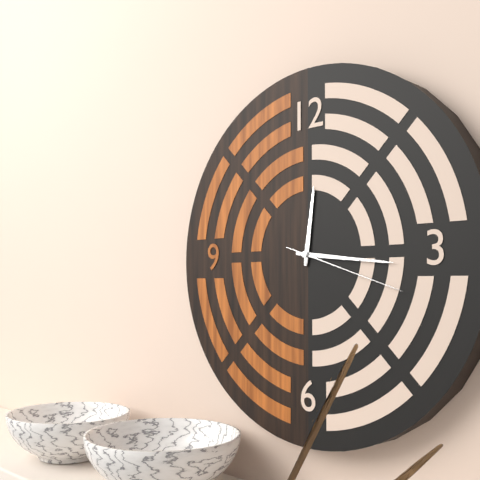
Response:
12.16.18
